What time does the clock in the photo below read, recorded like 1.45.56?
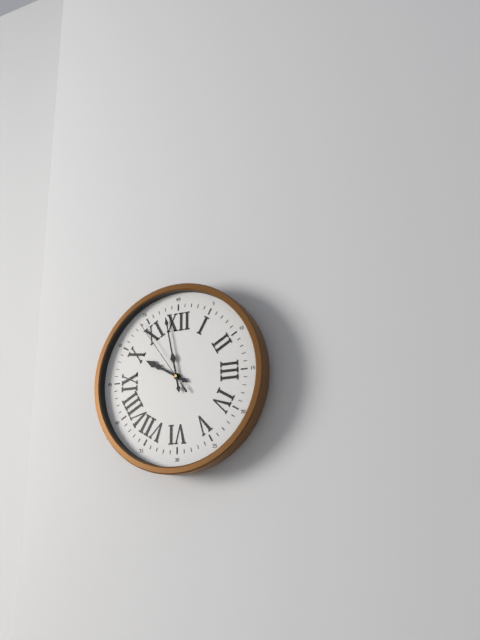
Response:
9.58.54
